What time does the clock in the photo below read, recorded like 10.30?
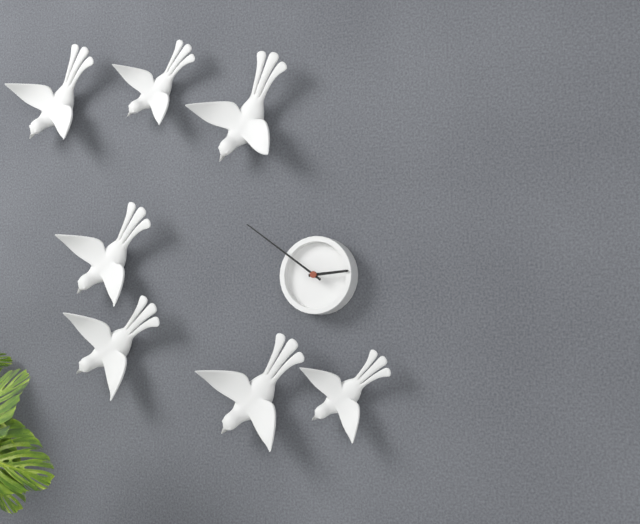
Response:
2.51
